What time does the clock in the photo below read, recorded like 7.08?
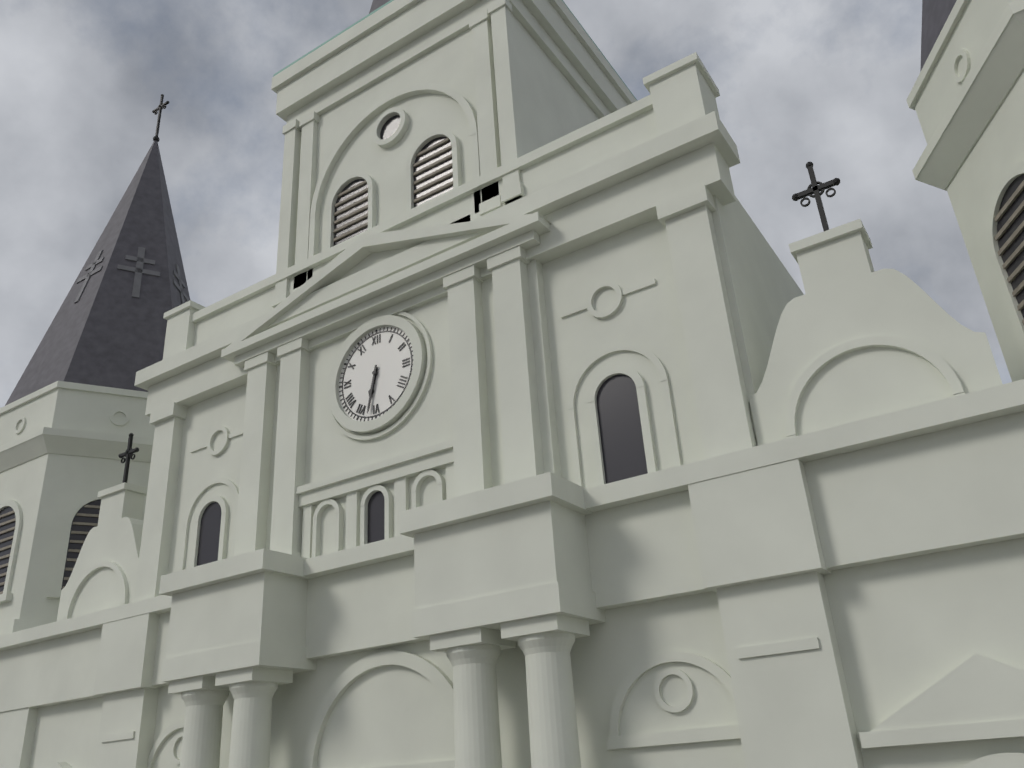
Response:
6.32
